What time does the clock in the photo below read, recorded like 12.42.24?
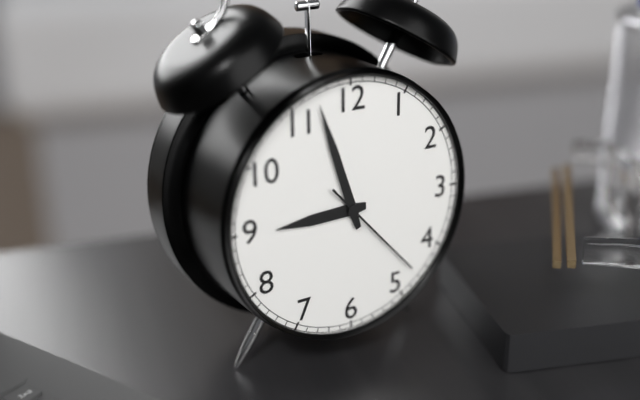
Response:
8.57.23
